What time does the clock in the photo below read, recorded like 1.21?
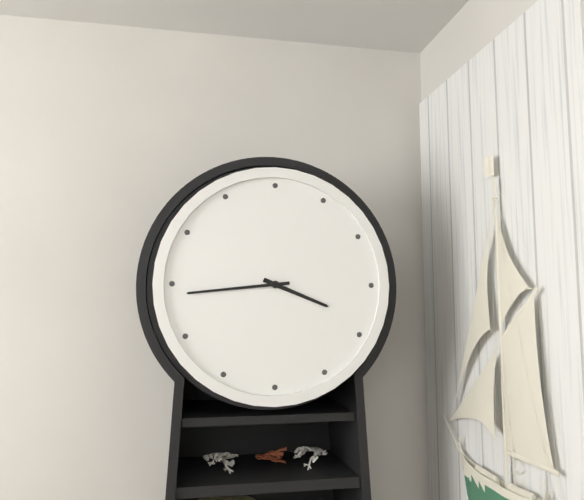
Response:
3.44
